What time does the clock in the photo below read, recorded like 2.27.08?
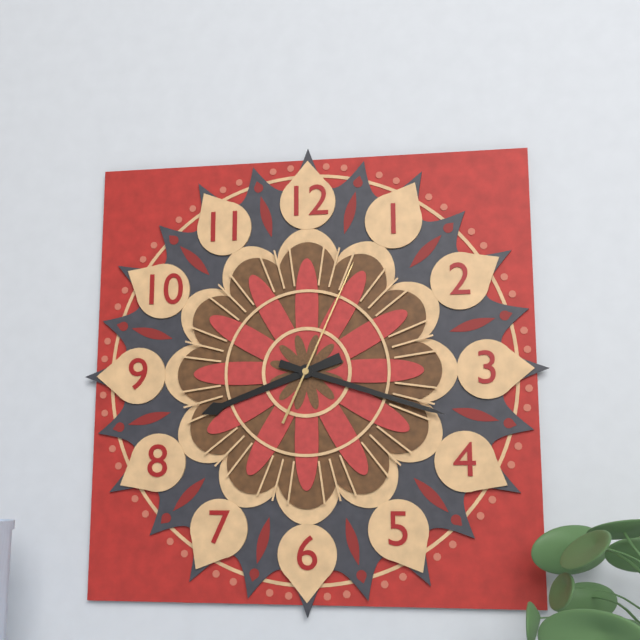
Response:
8.18.04
